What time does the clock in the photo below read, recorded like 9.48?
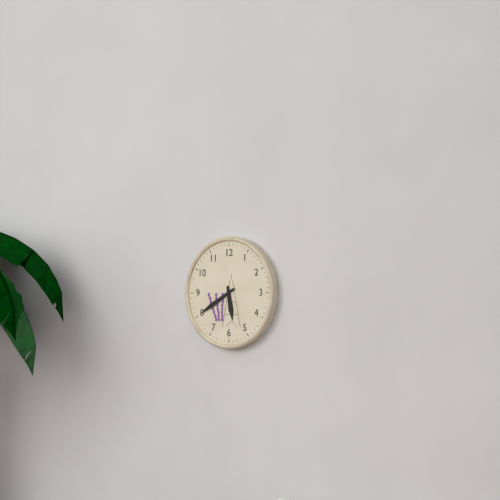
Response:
5.40
